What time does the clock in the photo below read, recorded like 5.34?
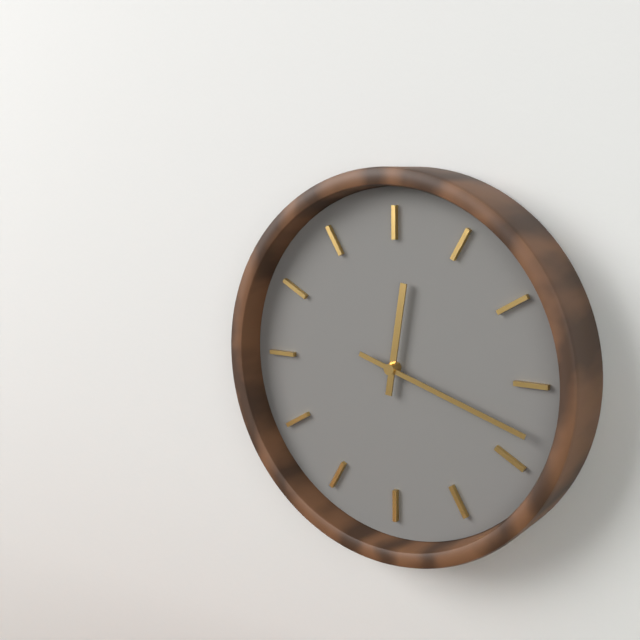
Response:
12.18
